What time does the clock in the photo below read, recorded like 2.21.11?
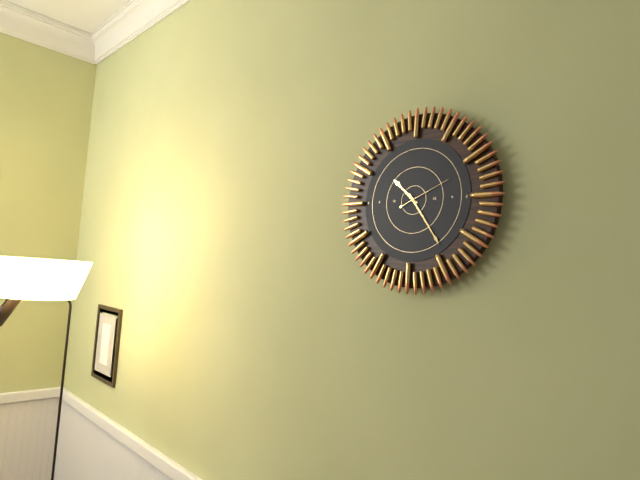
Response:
10.24.11
